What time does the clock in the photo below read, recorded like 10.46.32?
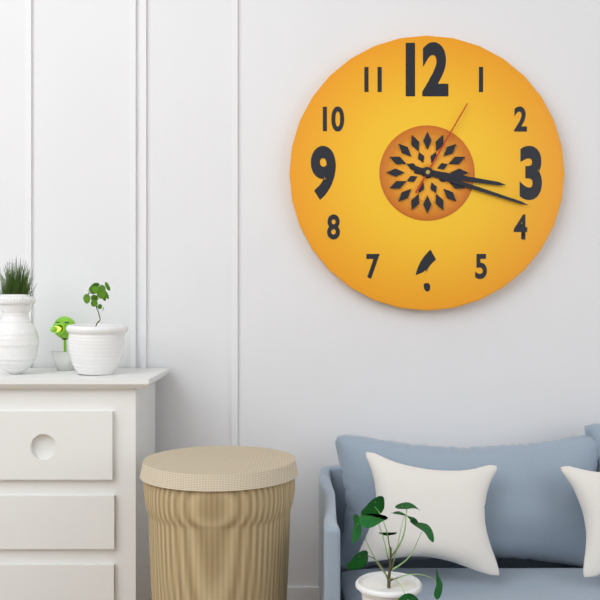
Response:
3.18.05
